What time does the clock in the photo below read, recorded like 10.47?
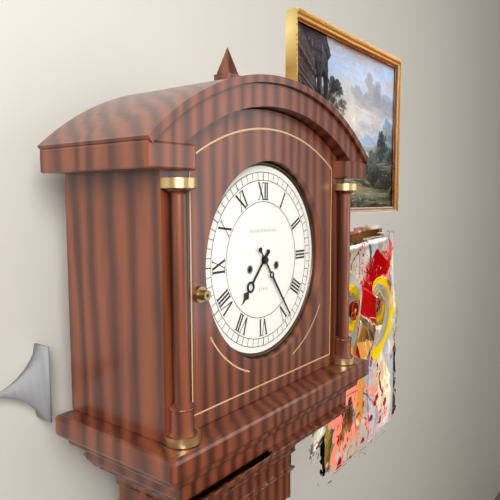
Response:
7.24
